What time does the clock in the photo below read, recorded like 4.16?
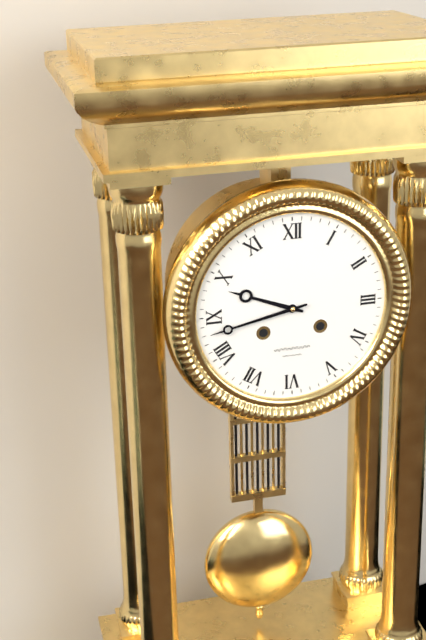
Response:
9.43
